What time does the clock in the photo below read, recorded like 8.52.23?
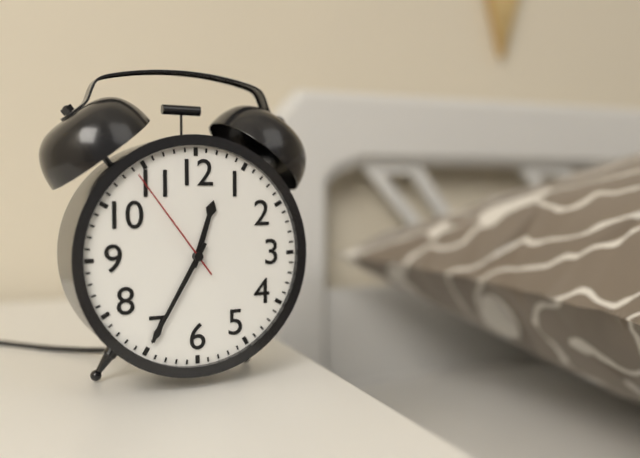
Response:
12.35.54
